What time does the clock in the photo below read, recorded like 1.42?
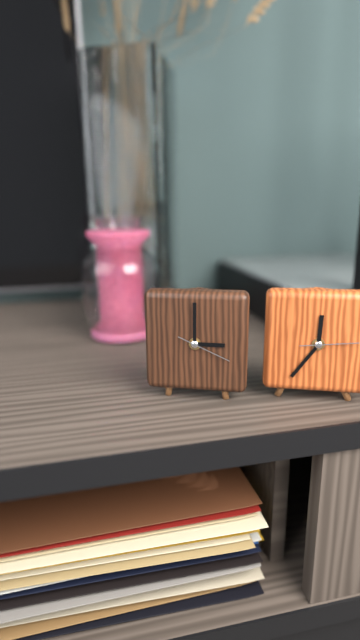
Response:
3.00
